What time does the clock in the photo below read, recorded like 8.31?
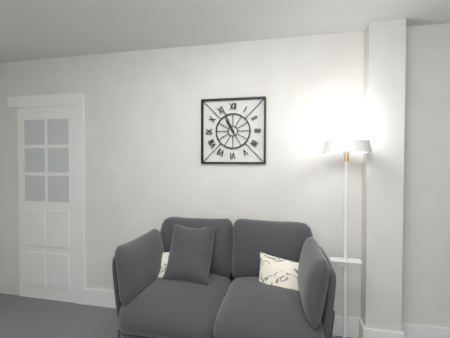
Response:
10.56
